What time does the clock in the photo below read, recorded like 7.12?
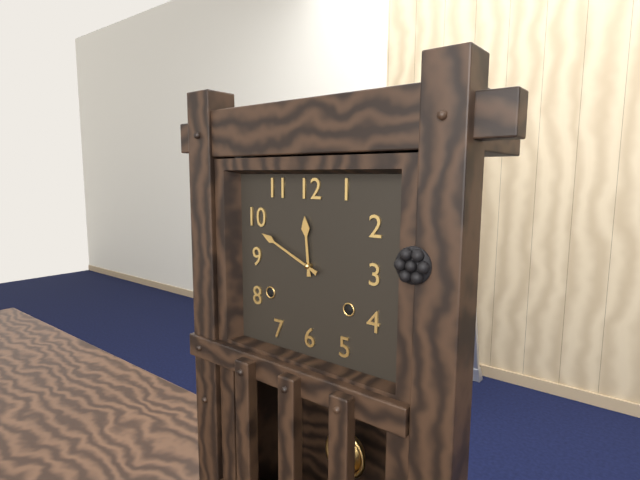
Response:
11.49
